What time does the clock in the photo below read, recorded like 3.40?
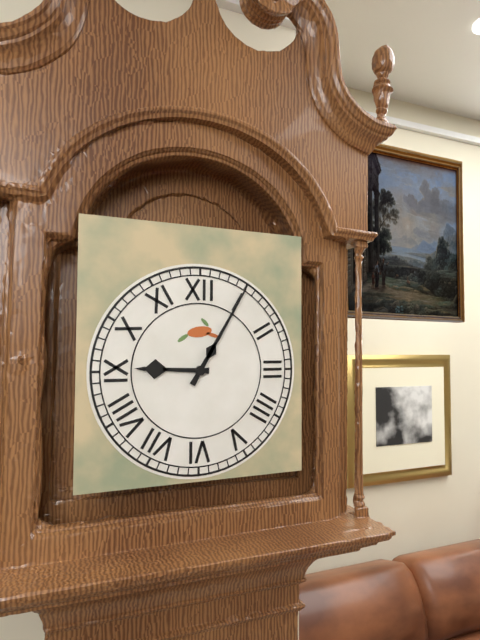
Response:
9.05
